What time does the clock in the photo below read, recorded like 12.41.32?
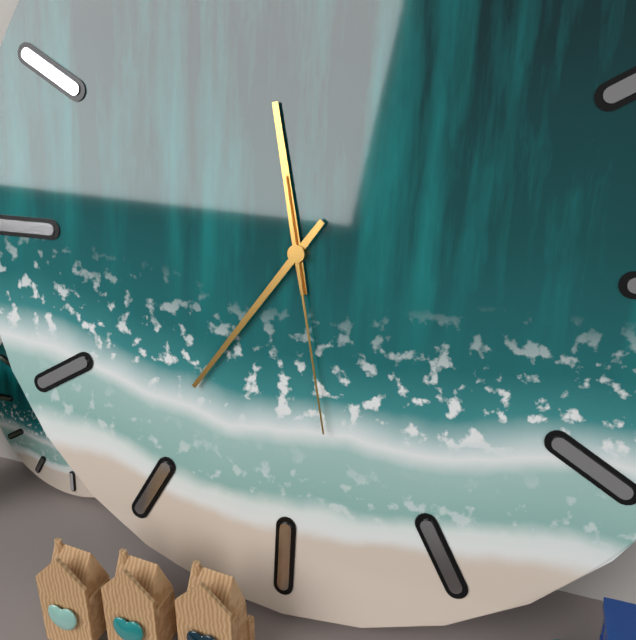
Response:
11.36.28
